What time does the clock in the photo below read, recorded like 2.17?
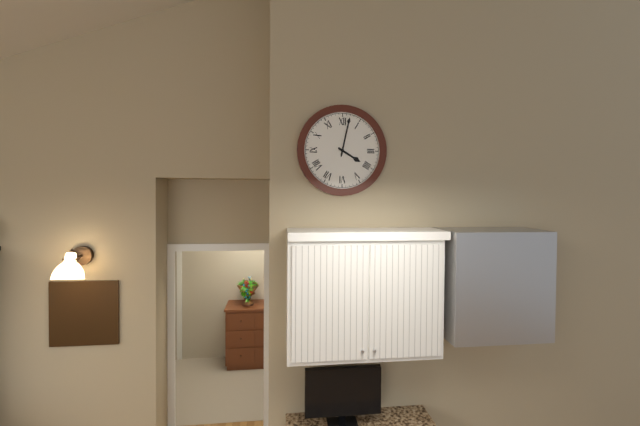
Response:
4.02
